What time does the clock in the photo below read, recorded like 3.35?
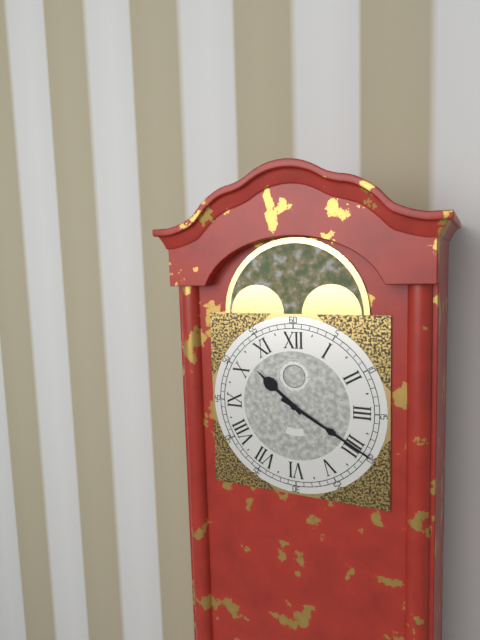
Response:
10.20
